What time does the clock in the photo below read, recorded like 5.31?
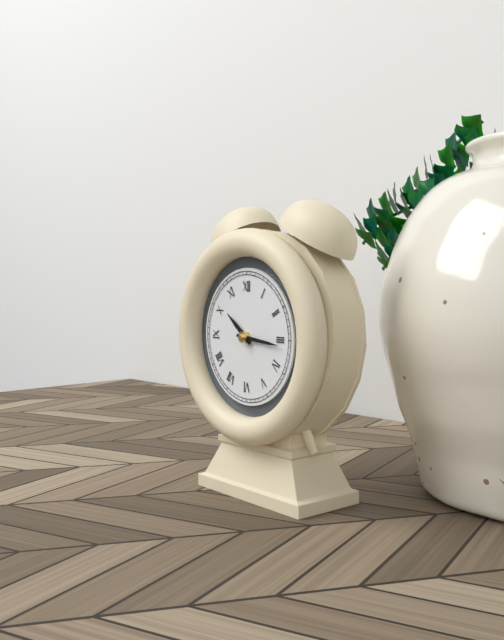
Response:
10.16
